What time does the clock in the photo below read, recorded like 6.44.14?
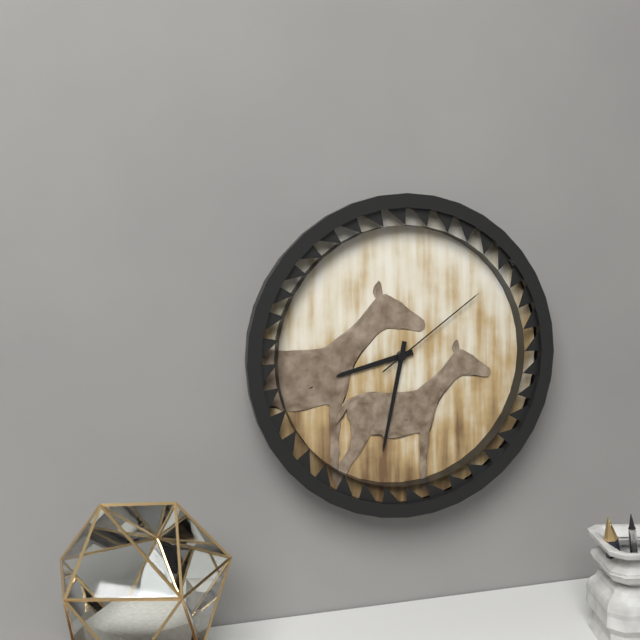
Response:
8.32.09
